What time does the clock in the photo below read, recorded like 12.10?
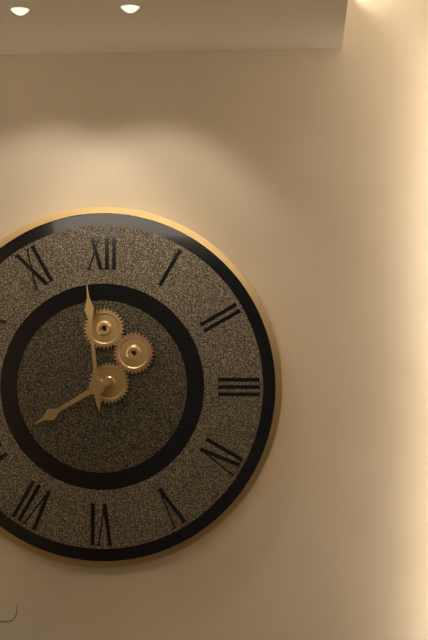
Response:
7.59
